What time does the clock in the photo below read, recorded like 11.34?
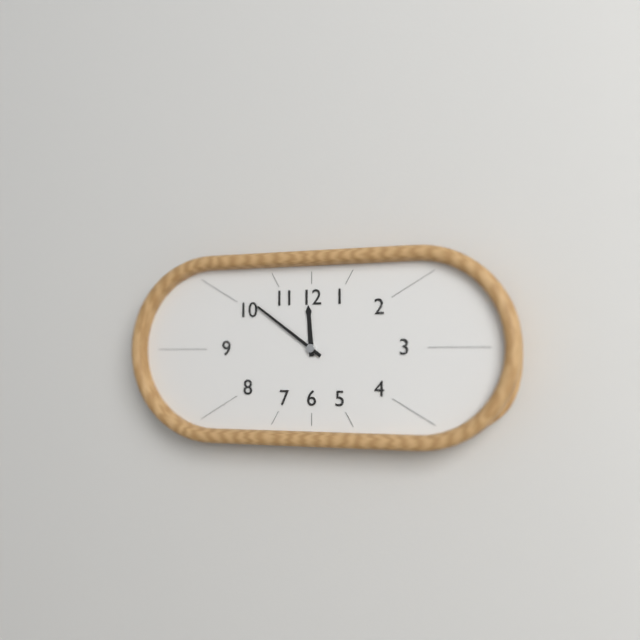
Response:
11.51
